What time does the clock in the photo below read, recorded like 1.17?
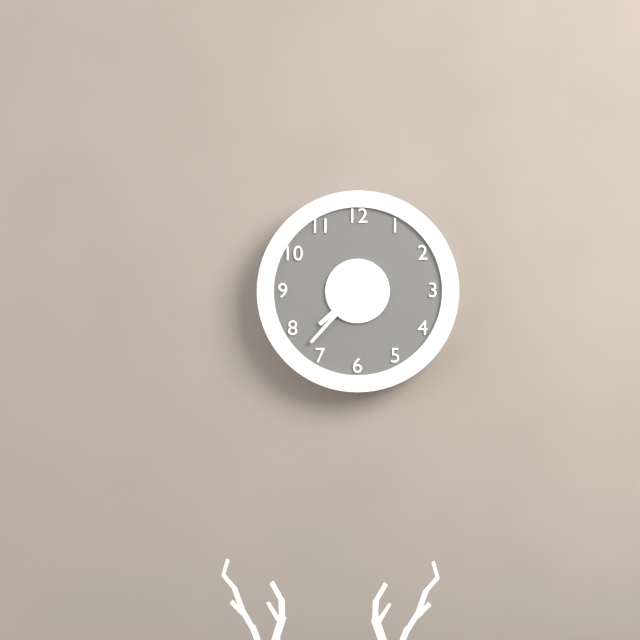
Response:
7.37
